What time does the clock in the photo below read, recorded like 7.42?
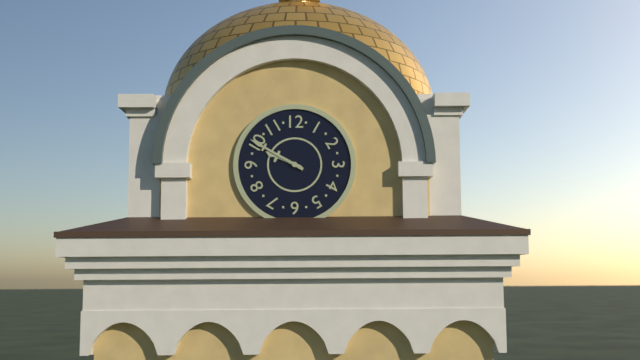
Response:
9.50
